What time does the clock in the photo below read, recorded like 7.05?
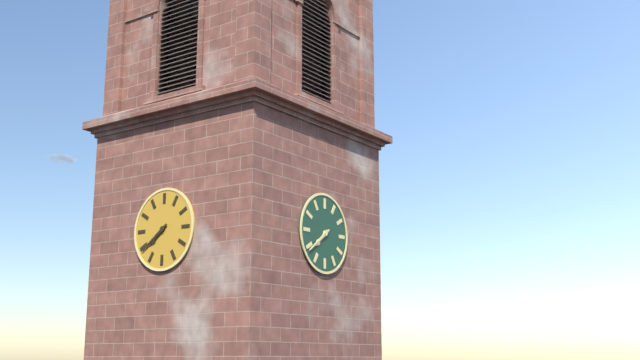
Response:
7.39
